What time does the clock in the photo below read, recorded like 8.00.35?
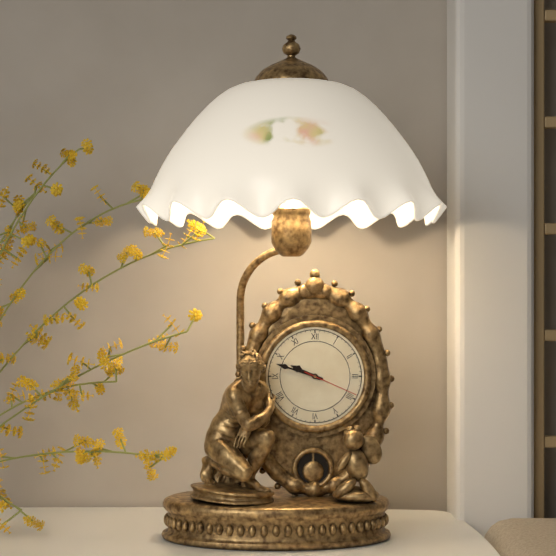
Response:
9.48.19
